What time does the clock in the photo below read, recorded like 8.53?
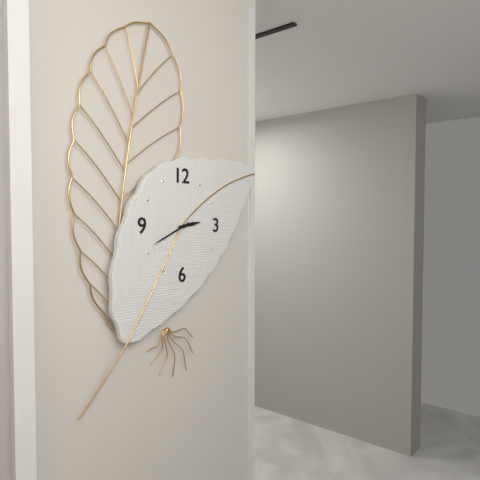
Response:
2.41
